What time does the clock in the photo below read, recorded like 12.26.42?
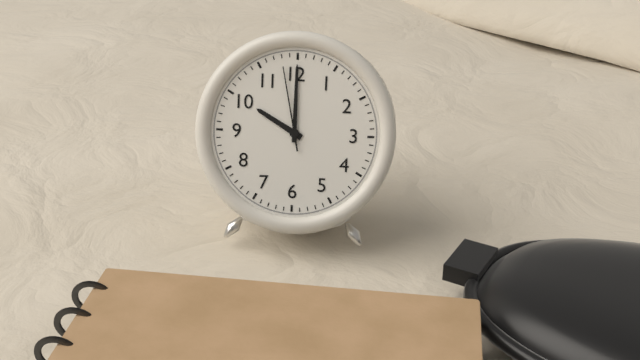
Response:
10.00.58
